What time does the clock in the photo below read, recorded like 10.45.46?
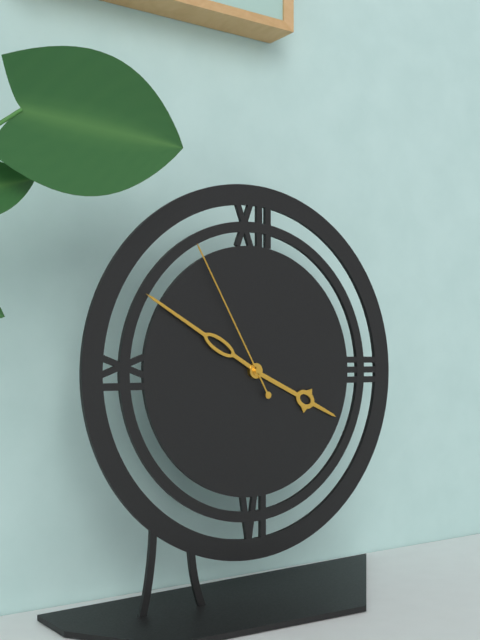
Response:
3.50.55
